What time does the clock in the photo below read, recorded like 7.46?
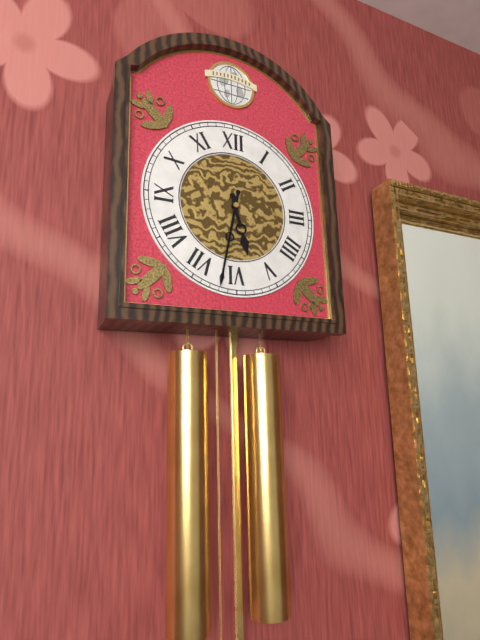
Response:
5.32
